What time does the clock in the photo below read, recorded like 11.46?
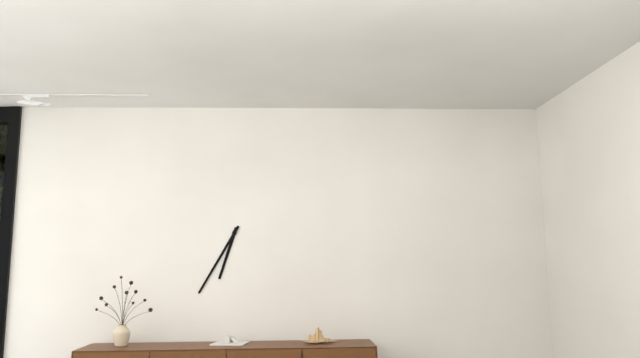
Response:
6.35
